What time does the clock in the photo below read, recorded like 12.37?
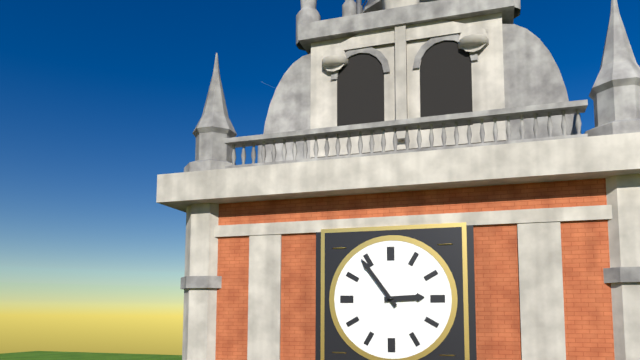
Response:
2.54
